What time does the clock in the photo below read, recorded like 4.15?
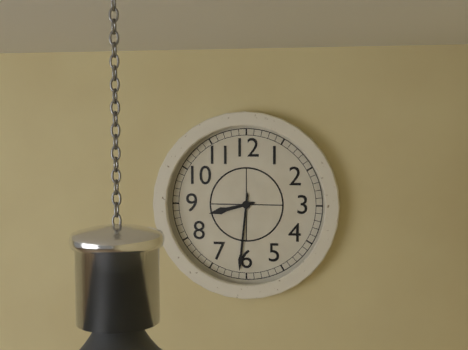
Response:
8.31
